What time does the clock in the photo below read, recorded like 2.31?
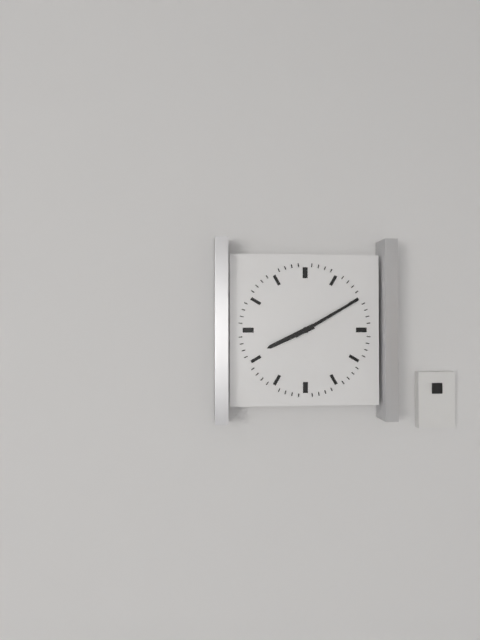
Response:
8.10
